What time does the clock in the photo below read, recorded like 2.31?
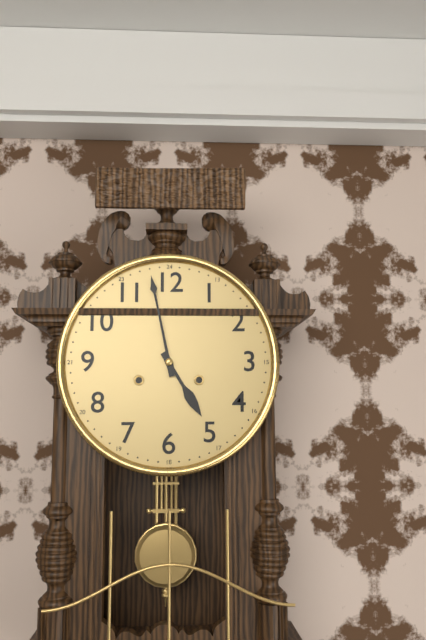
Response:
4.58
